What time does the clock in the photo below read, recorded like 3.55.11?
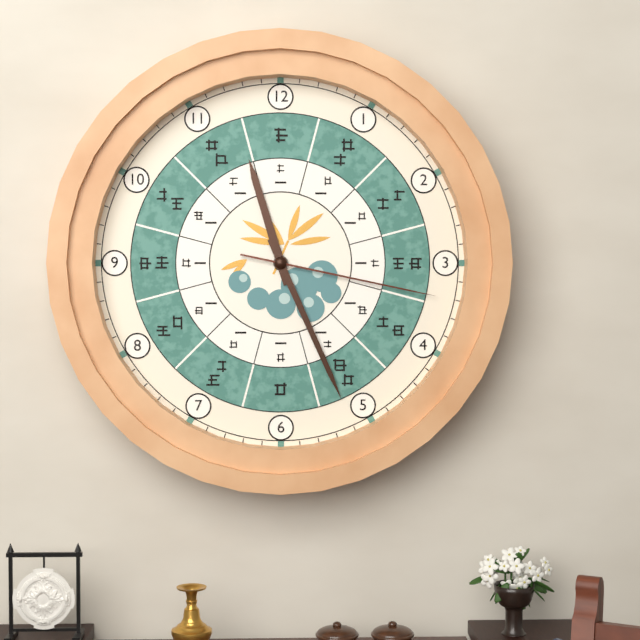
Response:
11.26.17
